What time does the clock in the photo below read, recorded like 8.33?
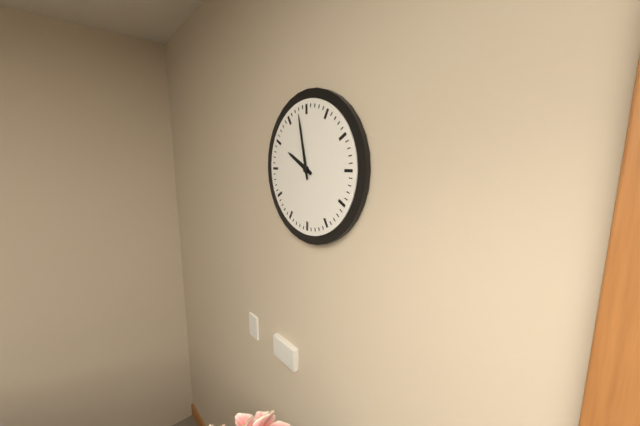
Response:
9.58
